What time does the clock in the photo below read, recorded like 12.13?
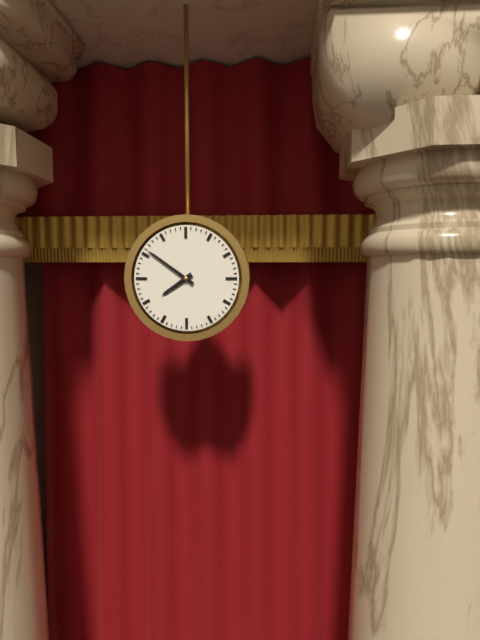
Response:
7.51
